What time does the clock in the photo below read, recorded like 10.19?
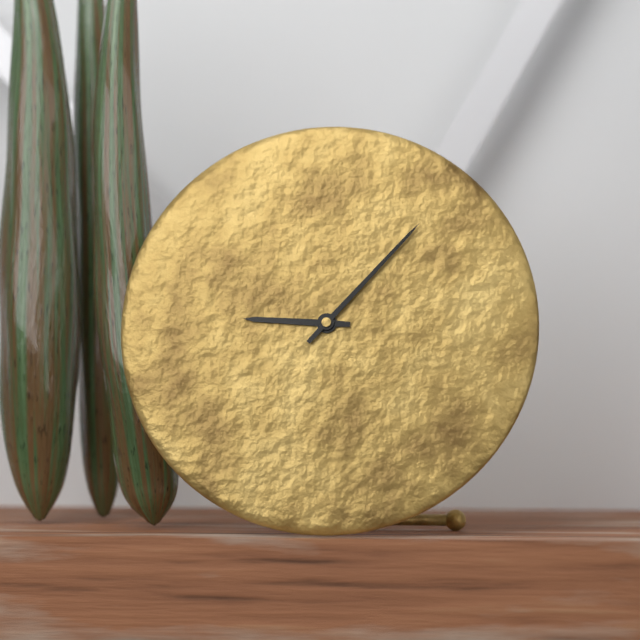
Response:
9.07
